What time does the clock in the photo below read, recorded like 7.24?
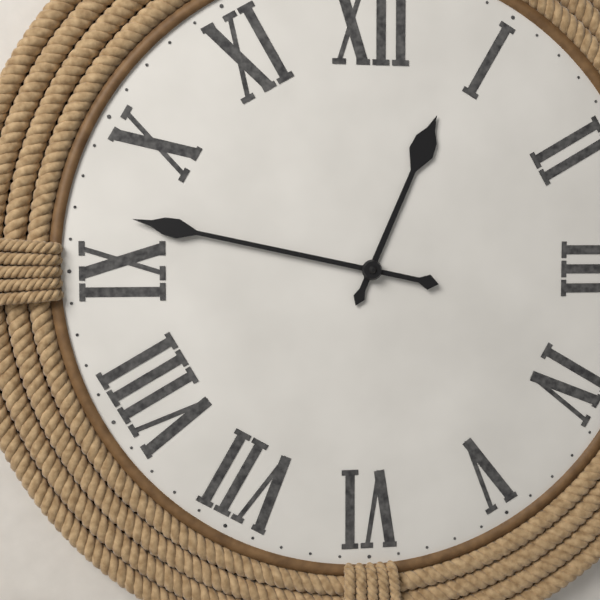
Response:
12.47
